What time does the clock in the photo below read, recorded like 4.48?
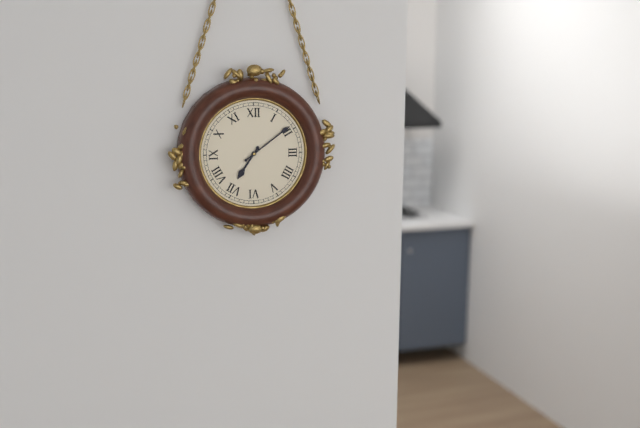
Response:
7.09
